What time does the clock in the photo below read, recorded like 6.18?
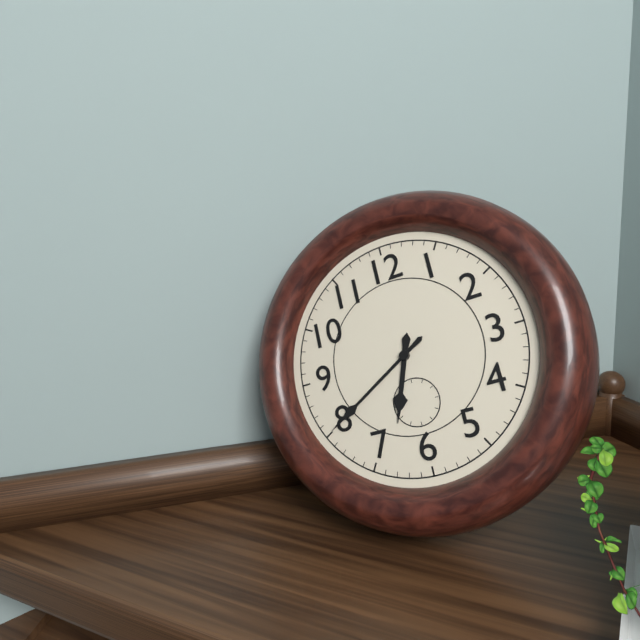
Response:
6.40
